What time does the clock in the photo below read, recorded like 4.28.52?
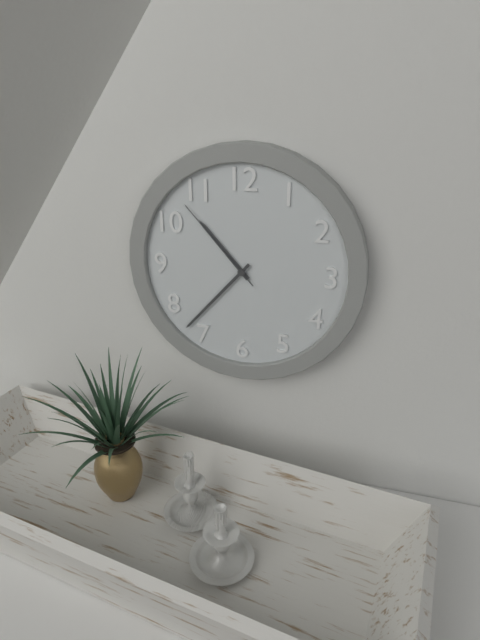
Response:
10.37.53
